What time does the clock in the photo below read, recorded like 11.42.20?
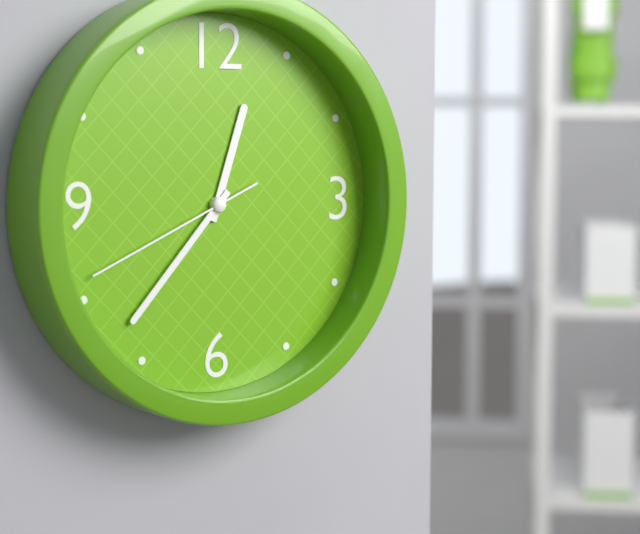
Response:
12.37.41
